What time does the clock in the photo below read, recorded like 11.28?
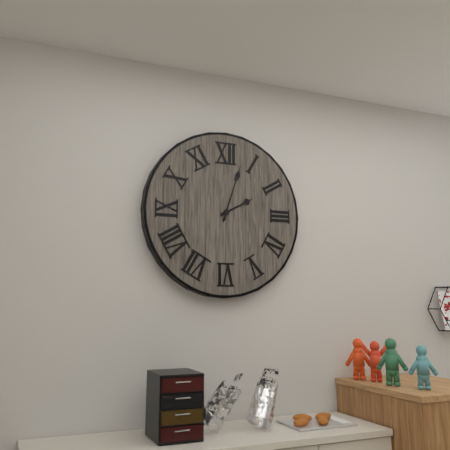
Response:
2.03
